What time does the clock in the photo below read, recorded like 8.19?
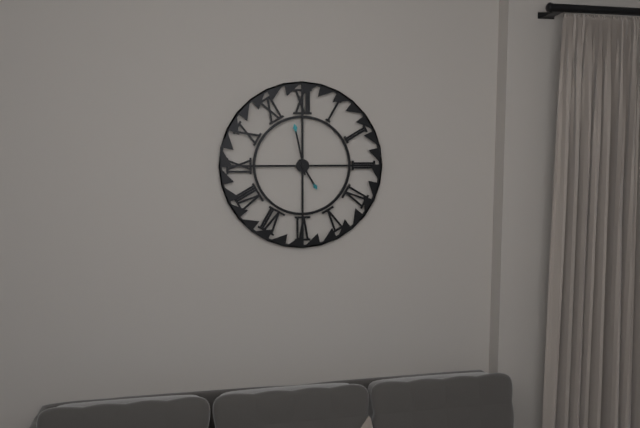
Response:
4.58
